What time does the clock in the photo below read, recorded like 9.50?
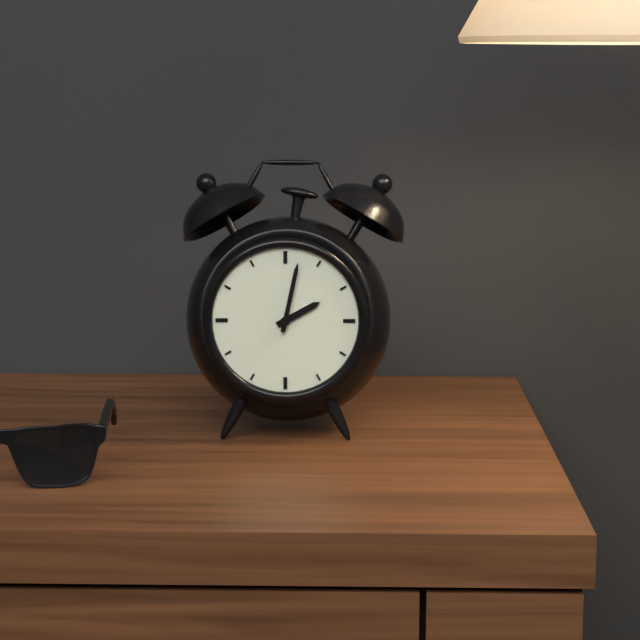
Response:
2.02
